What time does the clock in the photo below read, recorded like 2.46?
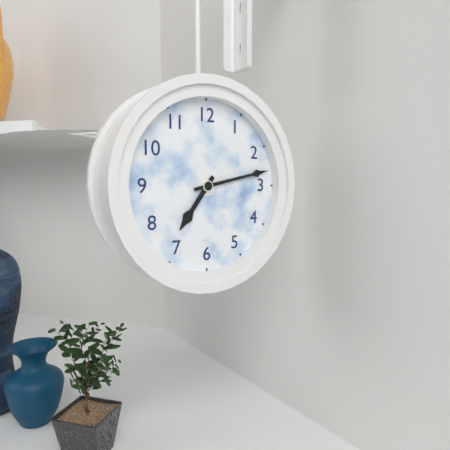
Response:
7.13
